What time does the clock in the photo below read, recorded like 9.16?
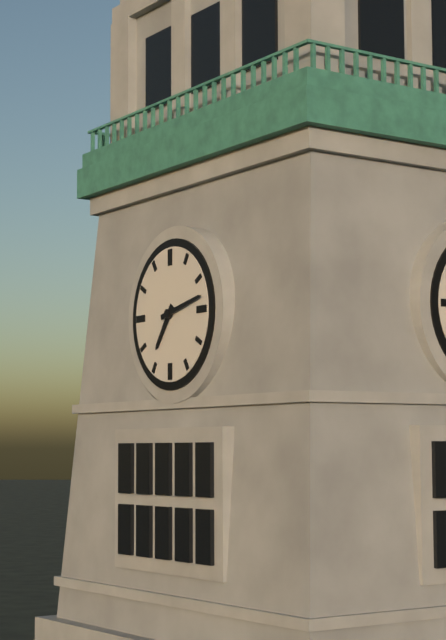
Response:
7.13
